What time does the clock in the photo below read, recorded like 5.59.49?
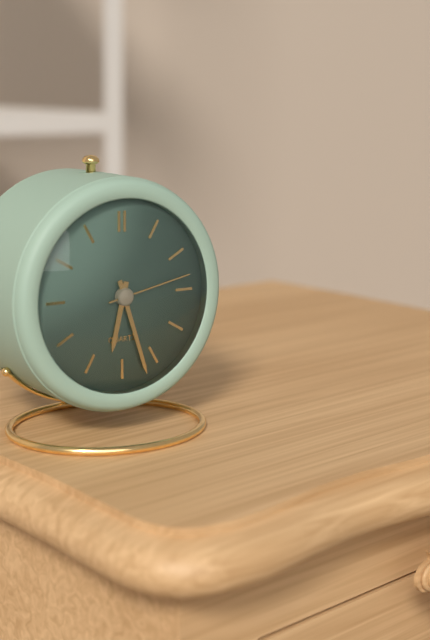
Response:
6.27.13
